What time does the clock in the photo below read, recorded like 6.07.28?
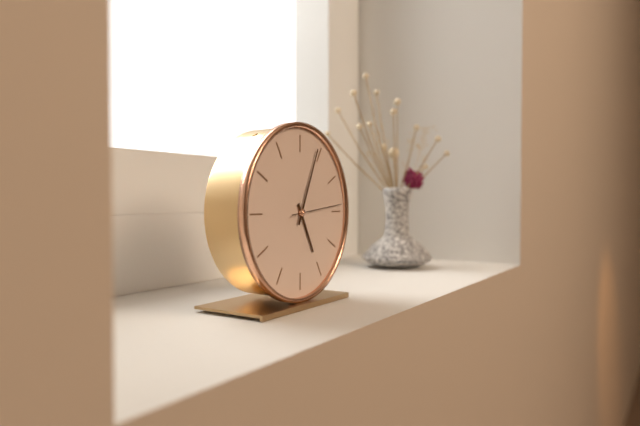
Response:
5.04.14
